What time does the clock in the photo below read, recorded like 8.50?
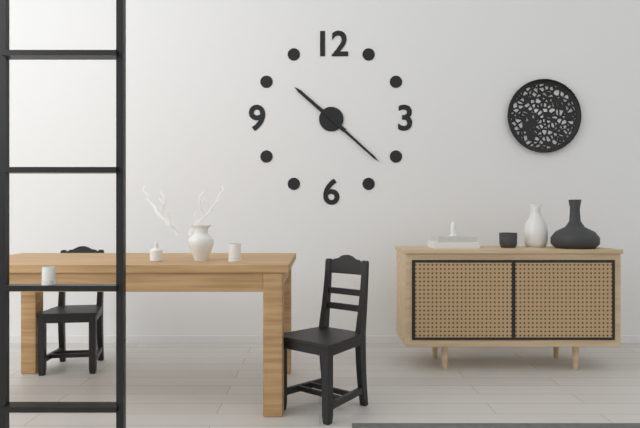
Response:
10.22
